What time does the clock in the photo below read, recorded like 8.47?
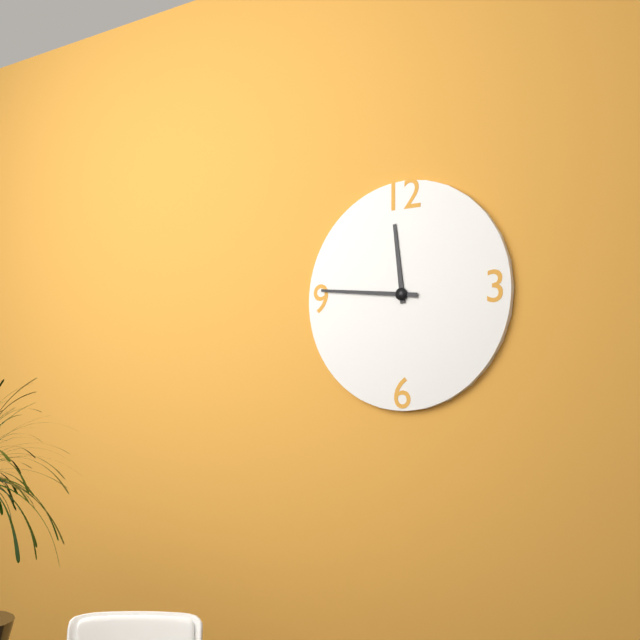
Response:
11.46
